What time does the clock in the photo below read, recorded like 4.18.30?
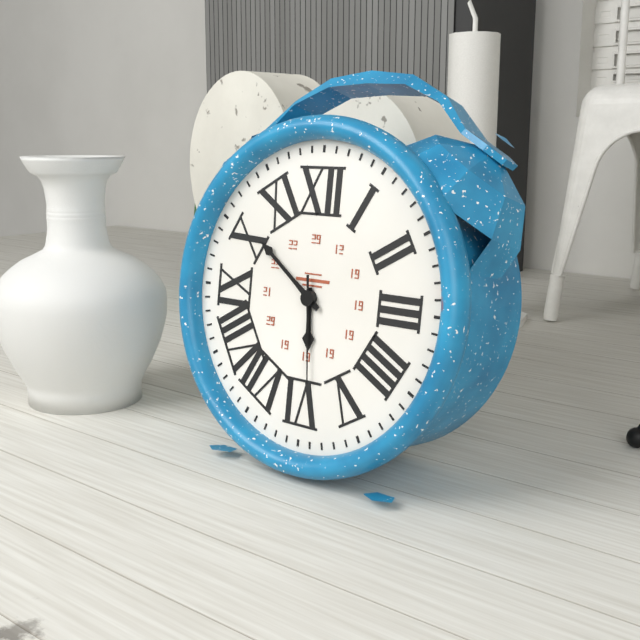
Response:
5.51.29
